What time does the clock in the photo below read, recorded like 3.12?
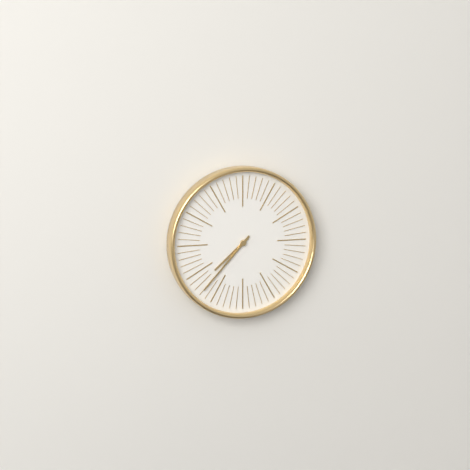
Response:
7.37
